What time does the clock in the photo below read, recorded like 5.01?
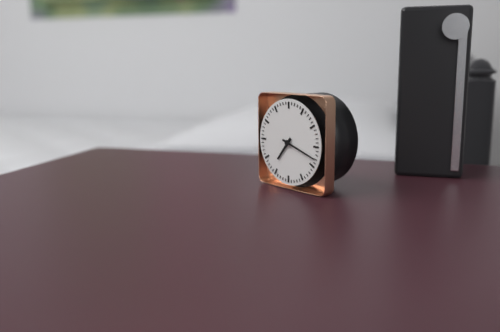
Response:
7.18
